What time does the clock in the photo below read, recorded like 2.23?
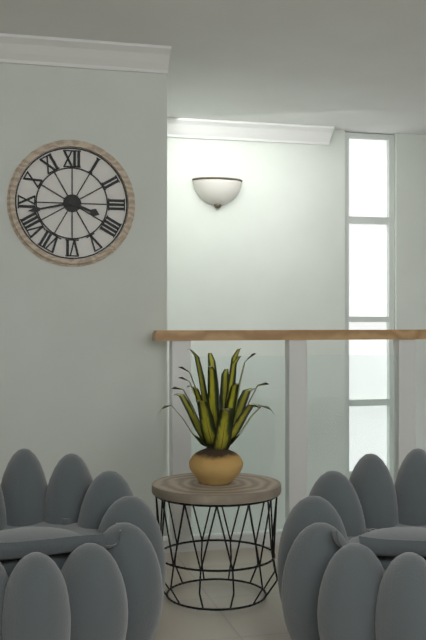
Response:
3.43
